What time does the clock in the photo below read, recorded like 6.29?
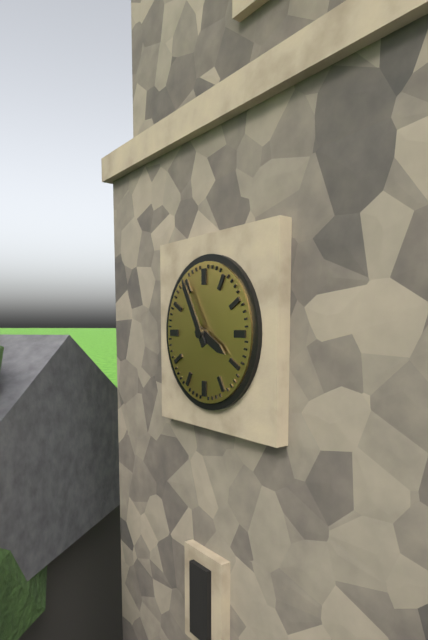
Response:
3.55
